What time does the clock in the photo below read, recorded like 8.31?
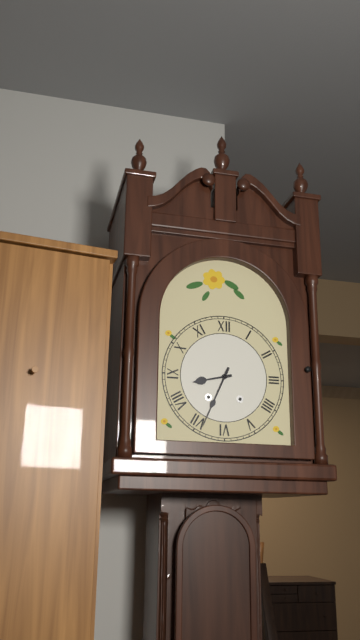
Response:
8.34
